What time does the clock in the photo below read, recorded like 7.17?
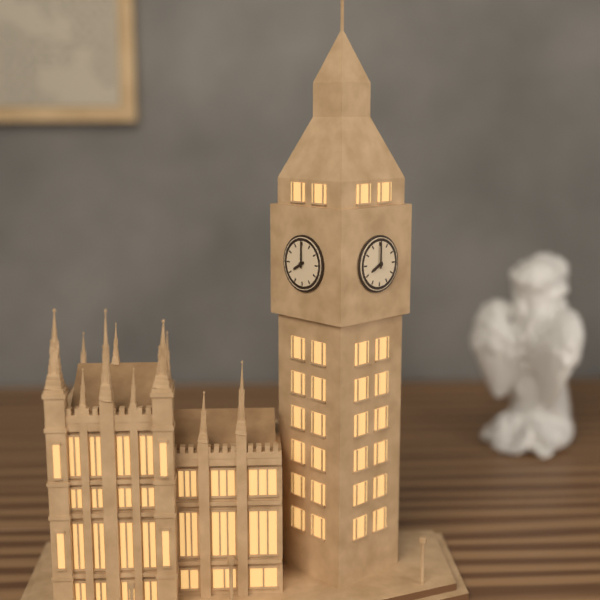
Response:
8.00
